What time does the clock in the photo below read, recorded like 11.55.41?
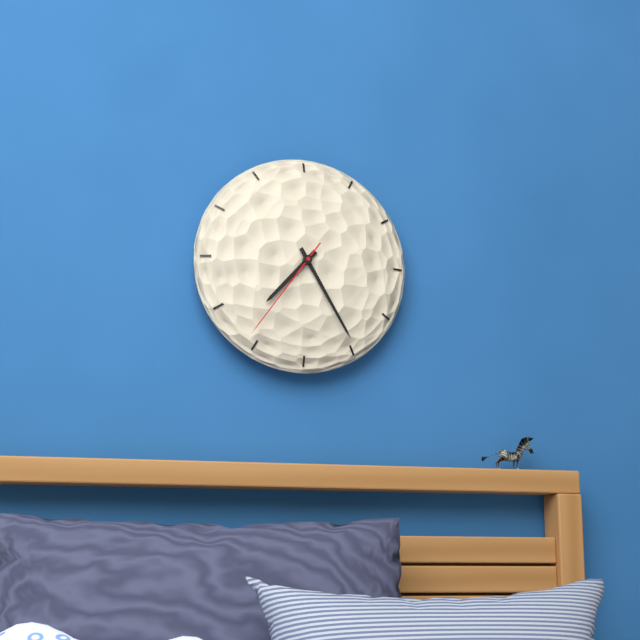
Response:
7.25.36
